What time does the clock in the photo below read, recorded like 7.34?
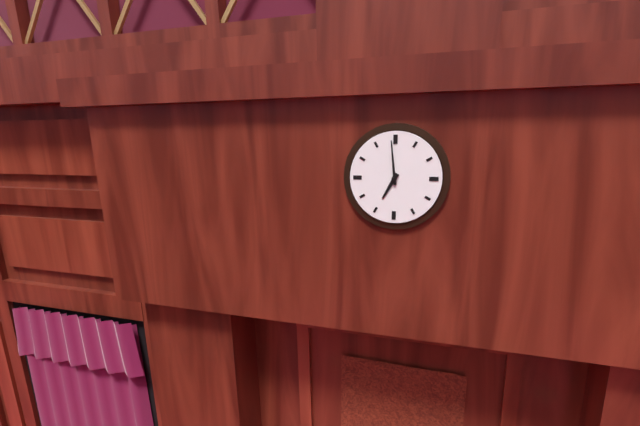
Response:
6.59
